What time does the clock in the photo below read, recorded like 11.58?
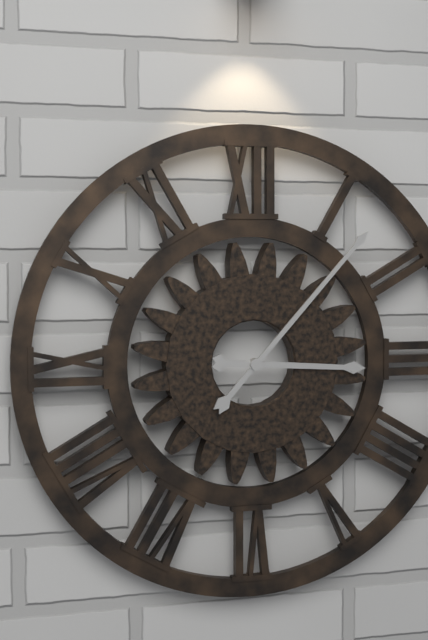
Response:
3.07
